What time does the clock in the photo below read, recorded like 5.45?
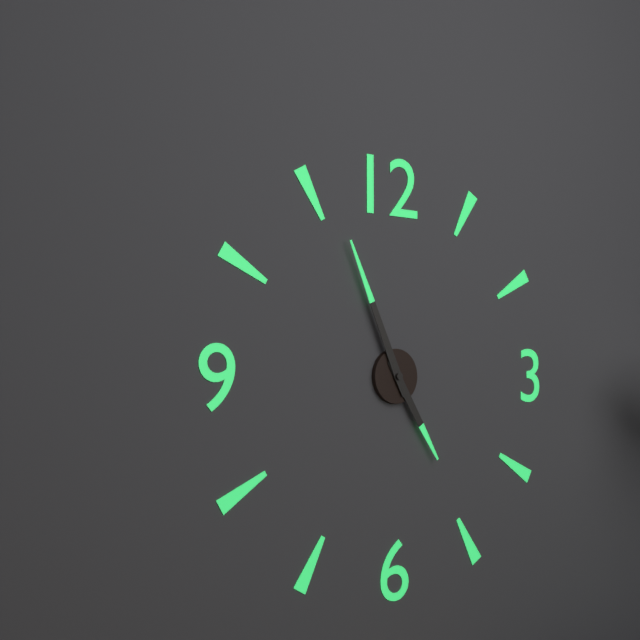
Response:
4.56
